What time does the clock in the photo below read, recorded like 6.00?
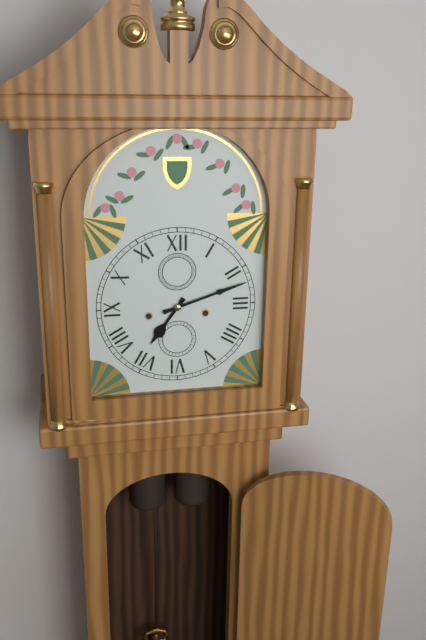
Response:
7.12
